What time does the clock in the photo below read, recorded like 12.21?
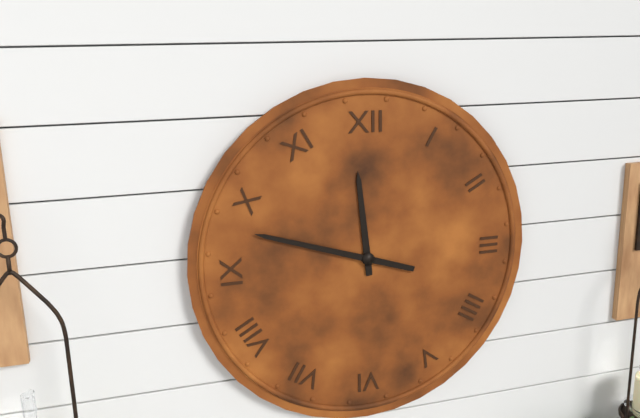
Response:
11.48
